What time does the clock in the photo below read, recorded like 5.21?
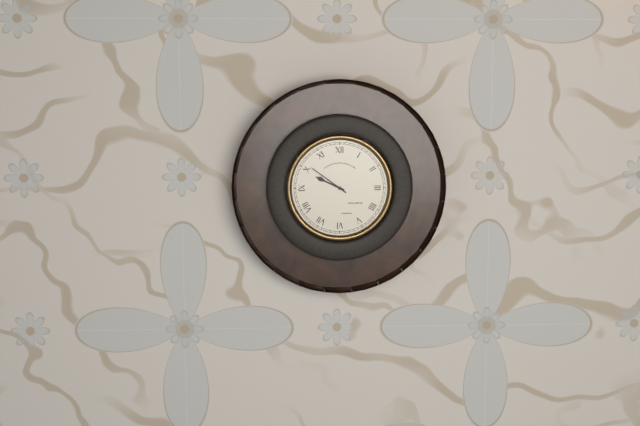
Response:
9.51
